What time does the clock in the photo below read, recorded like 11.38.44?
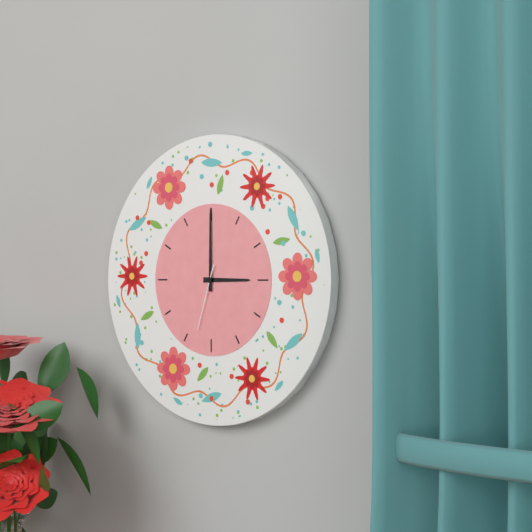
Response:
3.00.33
